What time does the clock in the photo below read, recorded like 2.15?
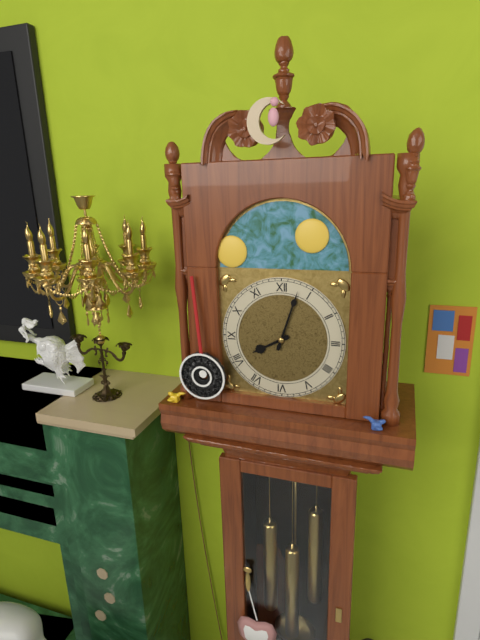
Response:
8.03
